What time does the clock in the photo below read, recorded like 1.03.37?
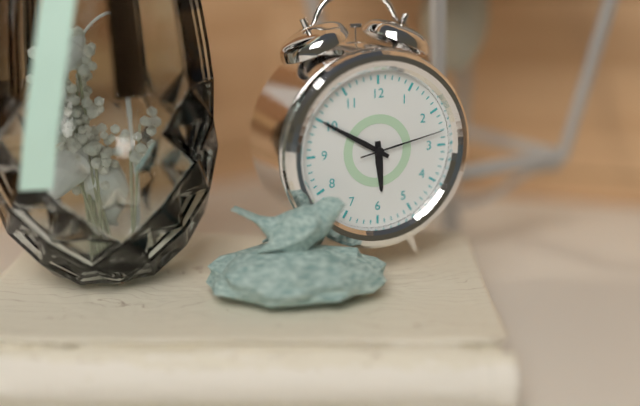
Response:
5.50.13
